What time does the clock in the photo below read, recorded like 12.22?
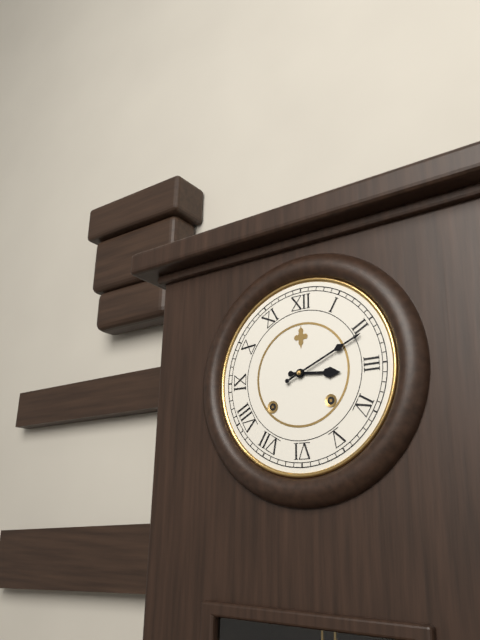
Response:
3.11
